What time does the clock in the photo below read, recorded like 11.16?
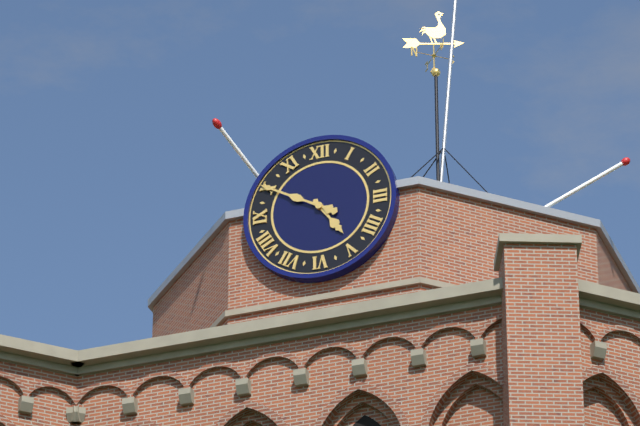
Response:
4.50
